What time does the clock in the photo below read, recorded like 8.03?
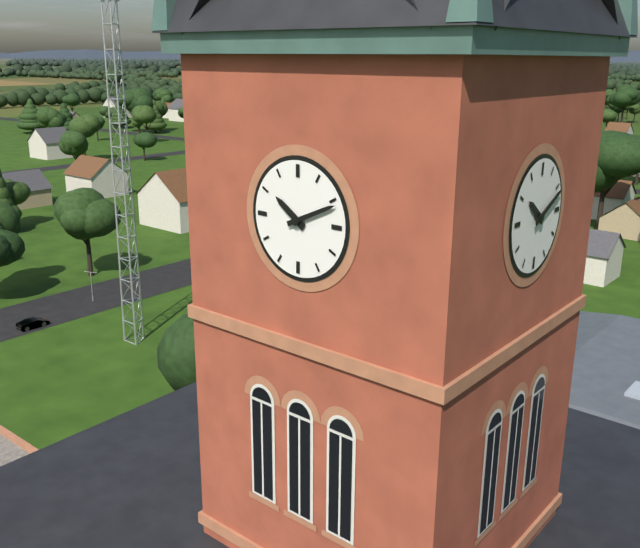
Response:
10.11
